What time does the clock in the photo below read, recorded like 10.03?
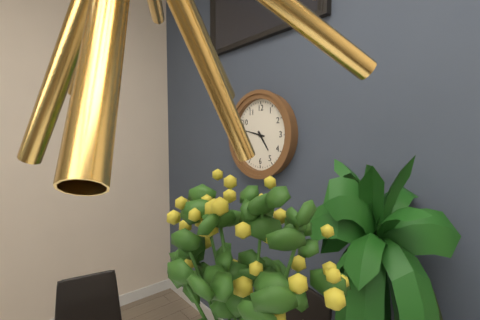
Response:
4.47
